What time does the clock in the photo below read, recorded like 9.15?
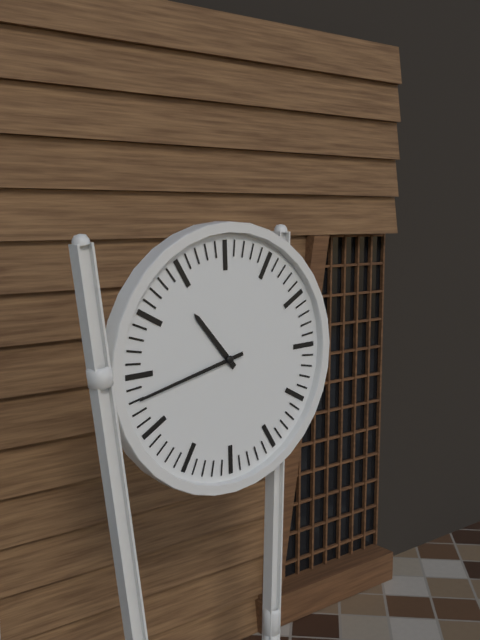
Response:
10.43
